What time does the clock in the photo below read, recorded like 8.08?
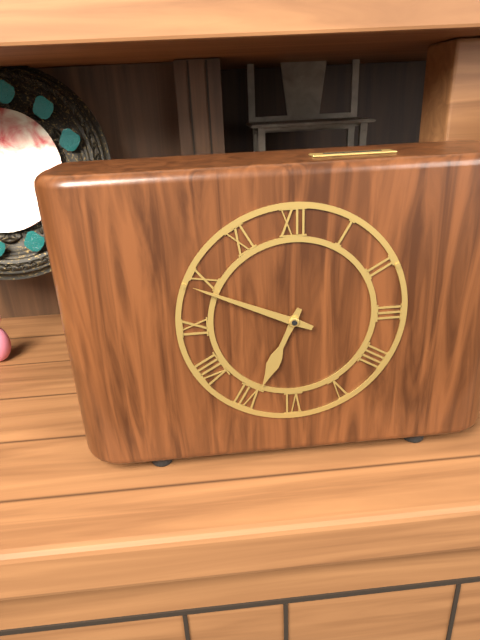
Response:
6.49
